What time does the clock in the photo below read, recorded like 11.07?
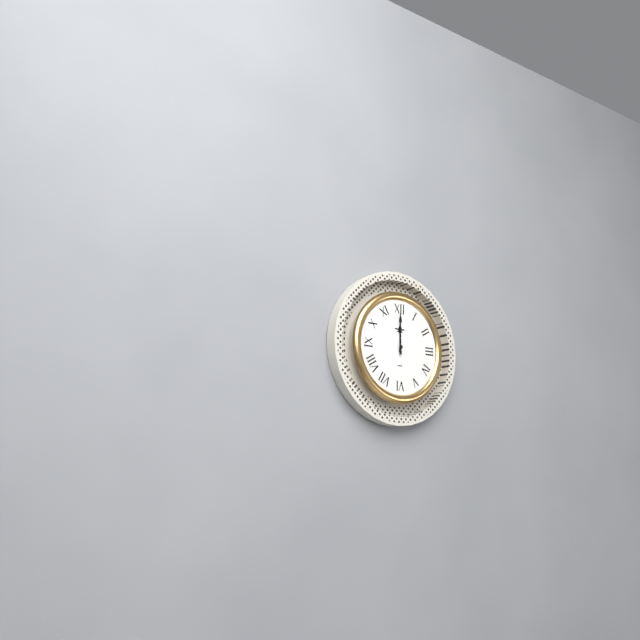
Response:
12.00
